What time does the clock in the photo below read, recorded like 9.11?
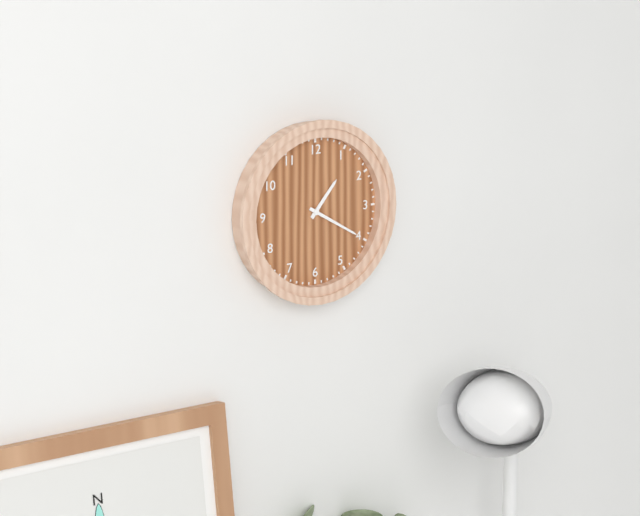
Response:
1.20
